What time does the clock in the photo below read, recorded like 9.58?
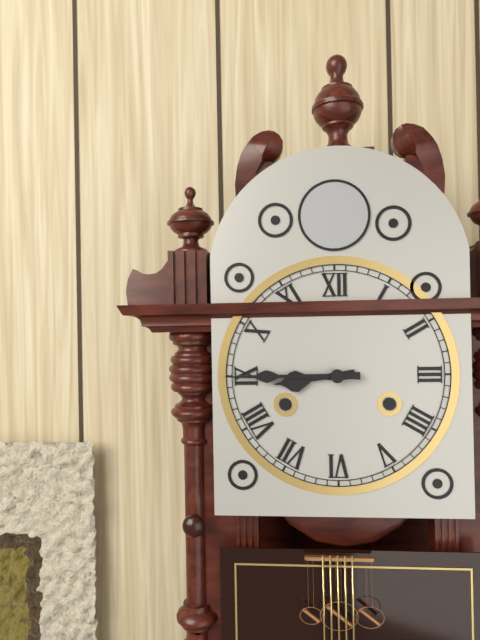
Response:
8.45
